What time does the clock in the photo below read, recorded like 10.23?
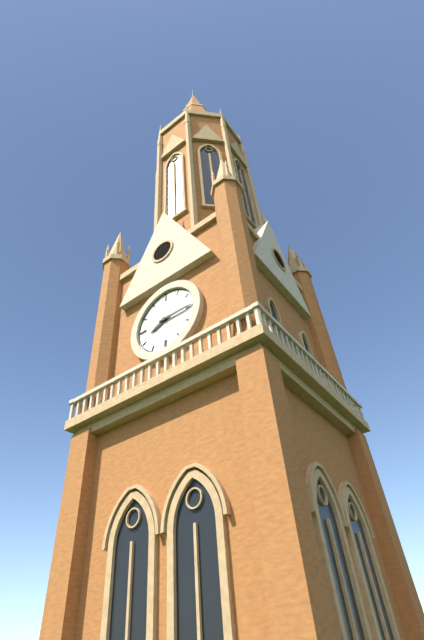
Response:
8.15
